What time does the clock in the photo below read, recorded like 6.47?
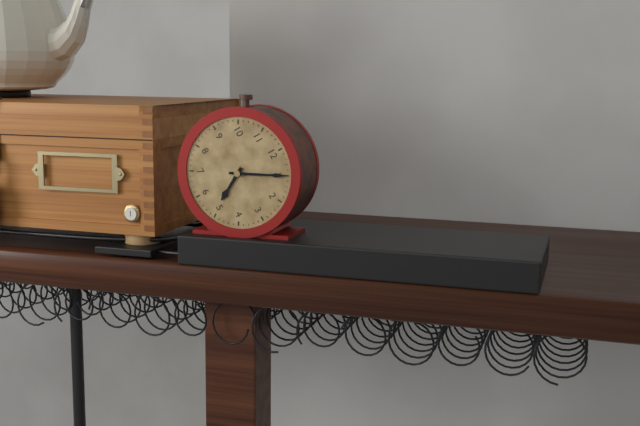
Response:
5.05
